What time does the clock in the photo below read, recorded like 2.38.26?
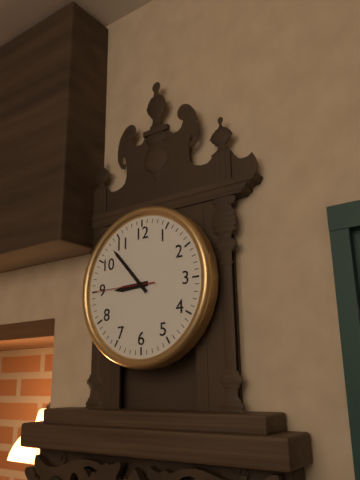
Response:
8.53.45
